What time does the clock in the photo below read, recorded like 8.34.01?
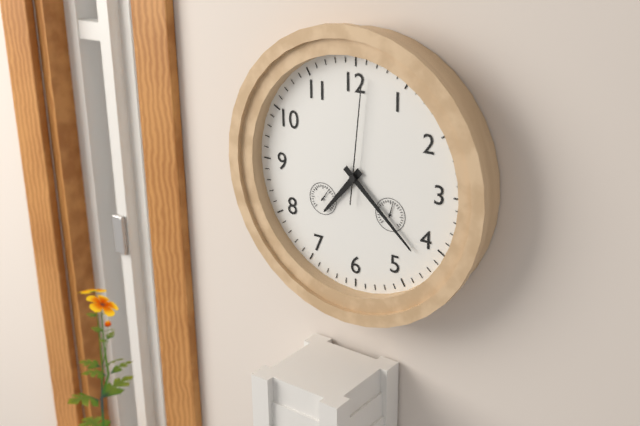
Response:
7.22.01
